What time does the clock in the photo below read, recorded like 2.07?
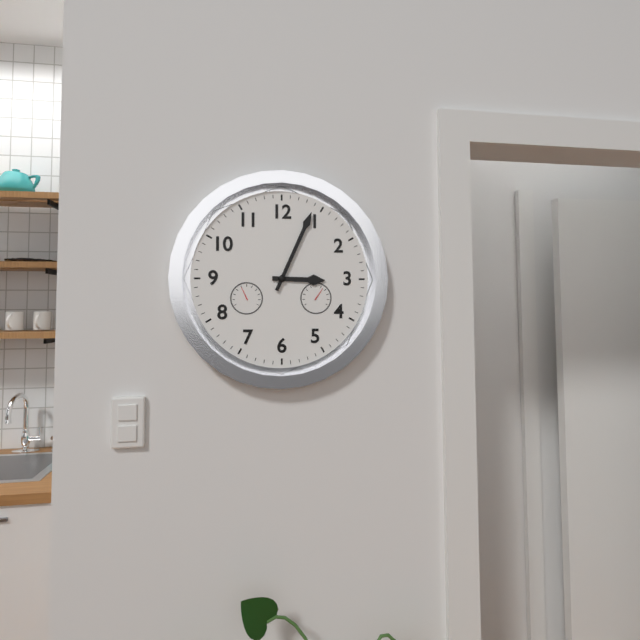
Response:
3.04
